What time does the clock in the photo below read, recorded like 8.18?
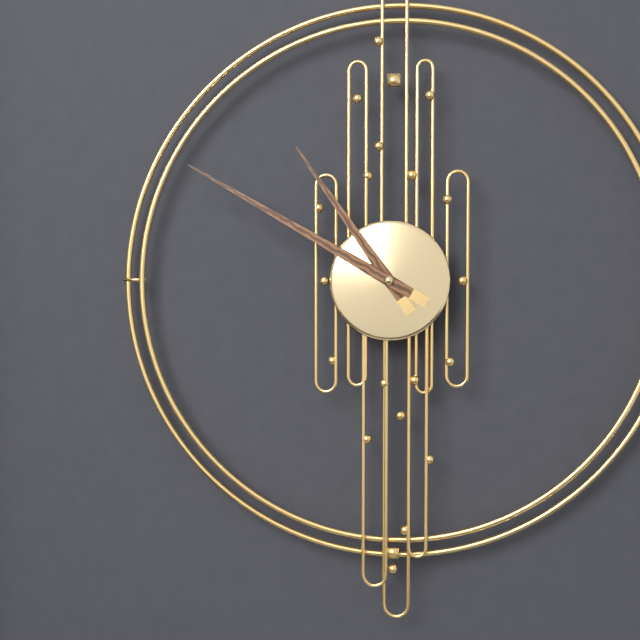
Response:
10.50
